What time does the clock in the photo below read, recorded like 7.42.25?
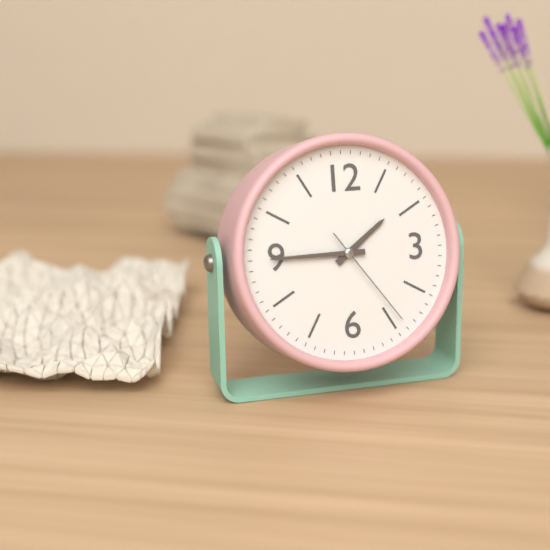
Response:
1.45.24
